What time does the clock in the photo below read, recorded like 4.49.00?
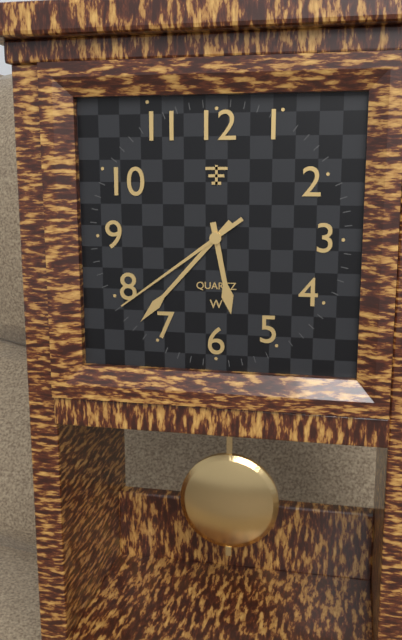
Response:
5.37.39
